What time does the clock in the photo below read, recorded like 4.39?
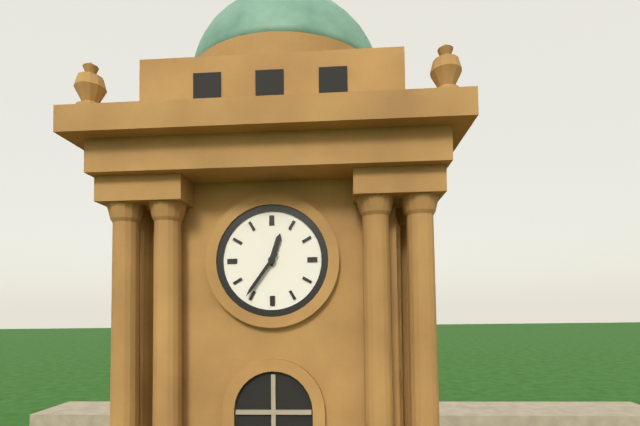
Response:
12.36
